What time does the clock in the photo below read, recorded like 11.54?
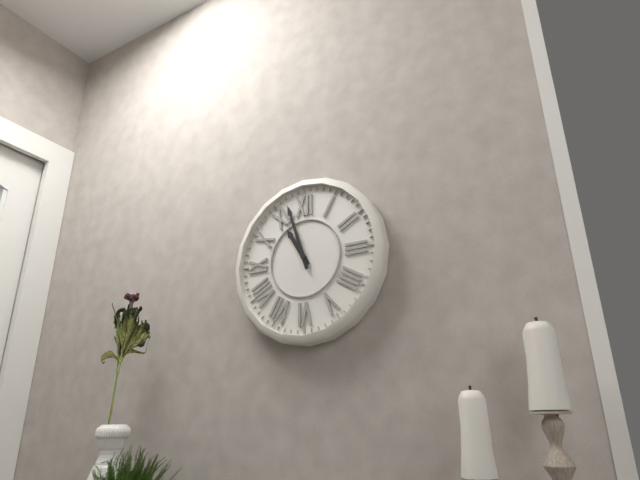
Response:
10.57
